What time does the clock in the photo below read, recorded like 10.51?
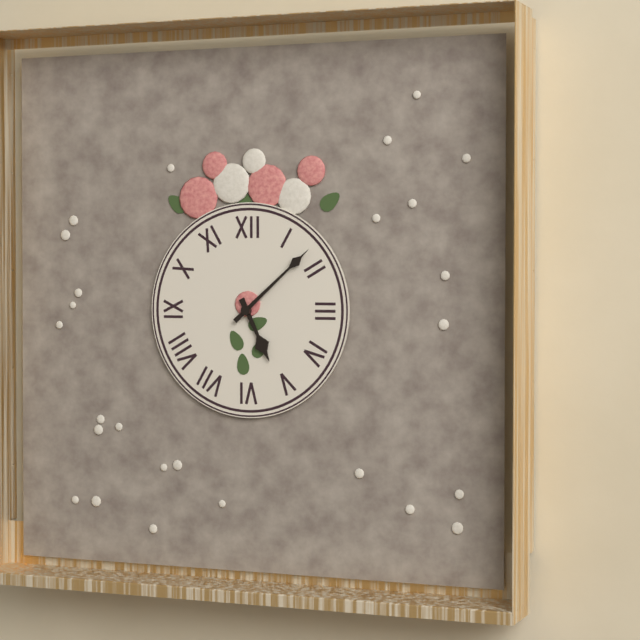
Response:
5.08
